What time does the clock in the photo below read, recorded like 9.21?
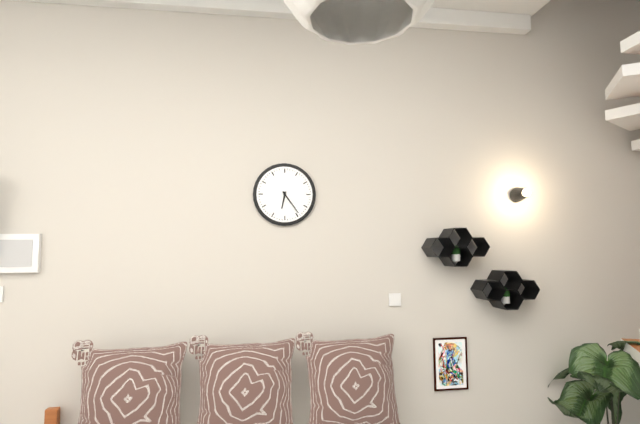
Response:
6.24
